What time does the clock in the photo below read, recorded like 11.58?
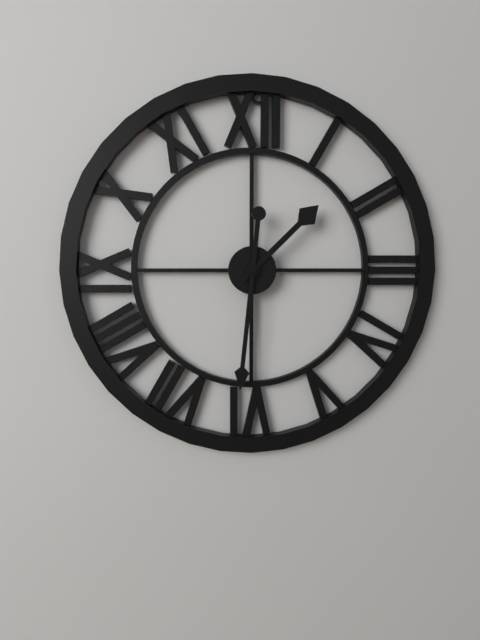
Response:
1.31
